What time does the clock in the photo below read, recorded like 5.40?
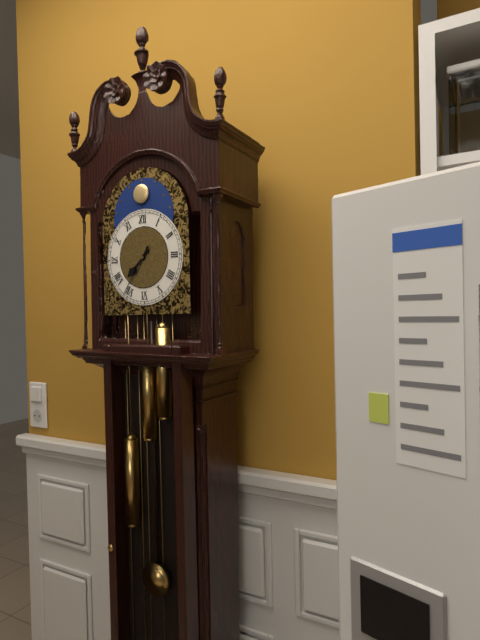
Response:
7.36
